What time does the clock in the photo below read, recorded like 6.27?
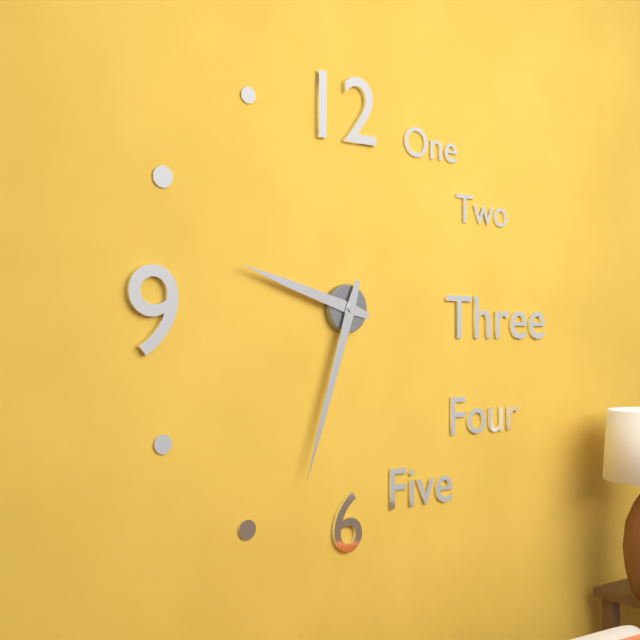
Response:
9.33
